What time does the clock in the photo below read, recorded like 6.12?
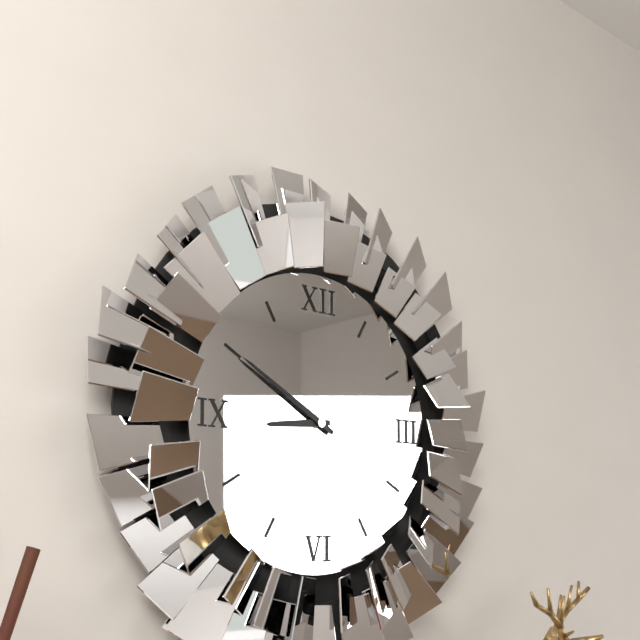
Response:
8.50
